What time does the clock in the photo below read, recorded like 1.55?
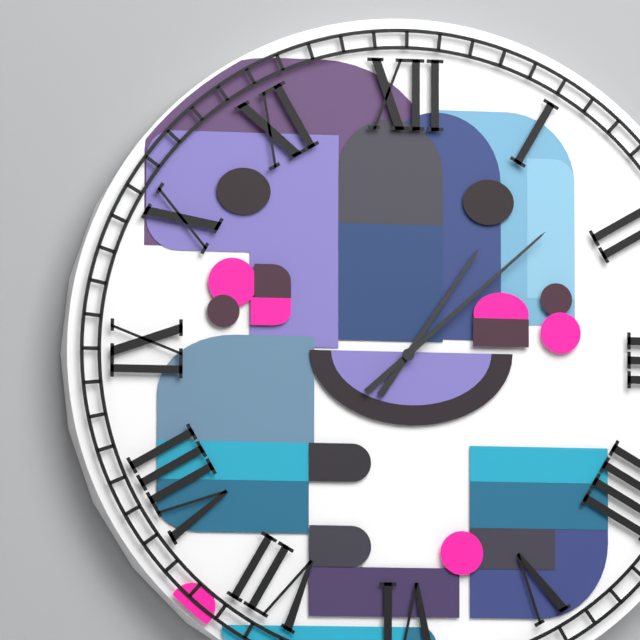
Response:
1.08
